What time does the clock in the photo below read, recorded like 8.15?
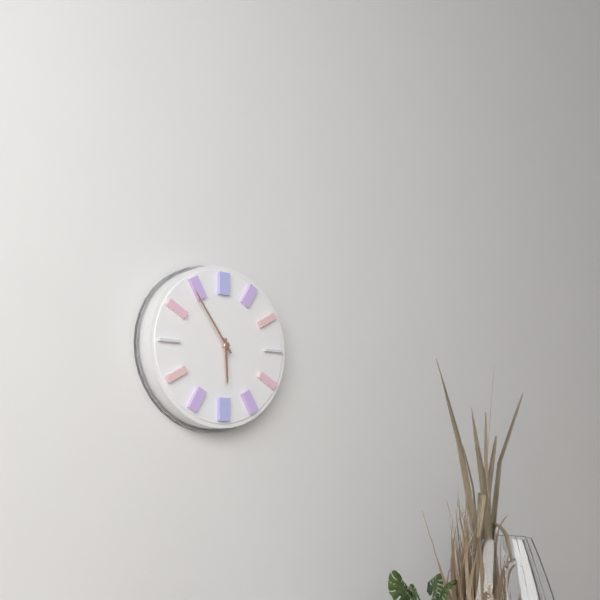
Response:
5.54
